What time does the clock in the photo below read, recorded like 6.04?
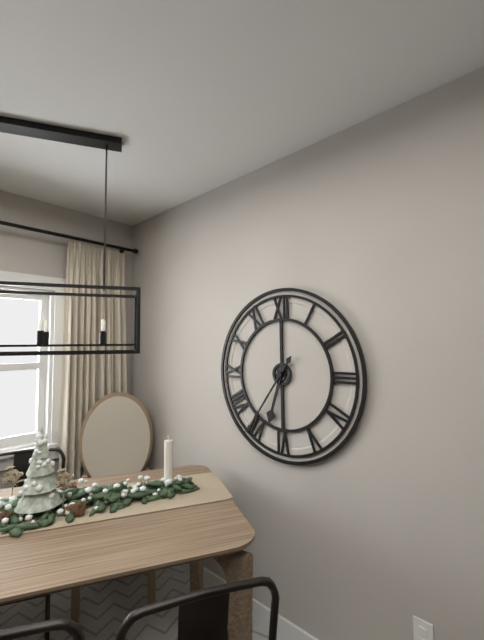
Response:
6.36
